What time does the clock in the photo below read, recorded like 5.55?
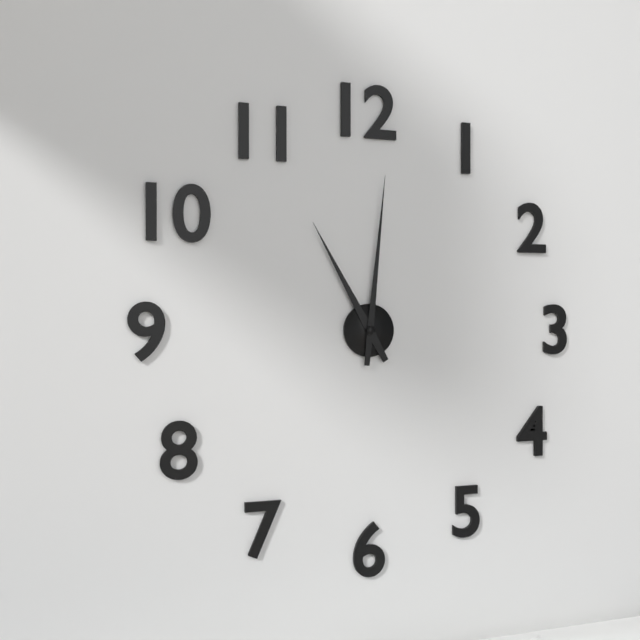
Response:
11.01
